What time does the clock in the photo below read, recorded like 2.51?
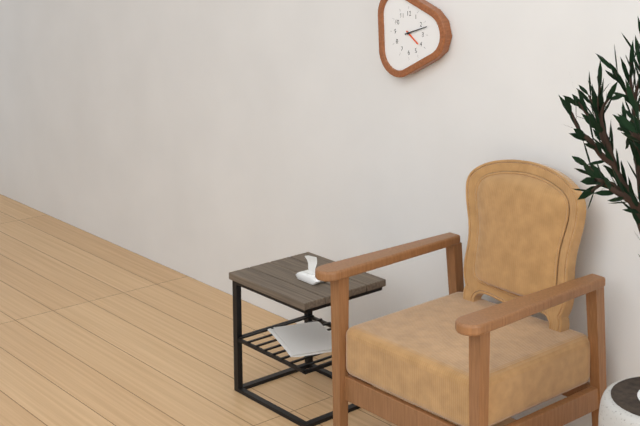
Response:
4.12
